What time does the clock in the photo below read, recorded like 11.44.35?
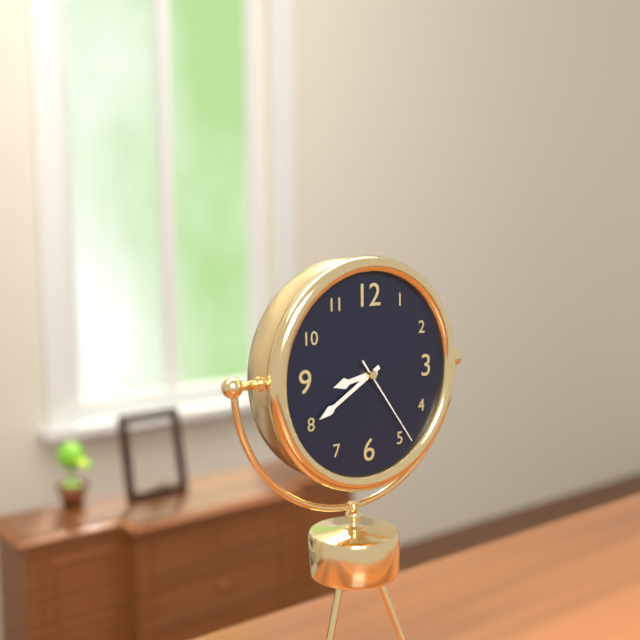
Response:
8.40.24
